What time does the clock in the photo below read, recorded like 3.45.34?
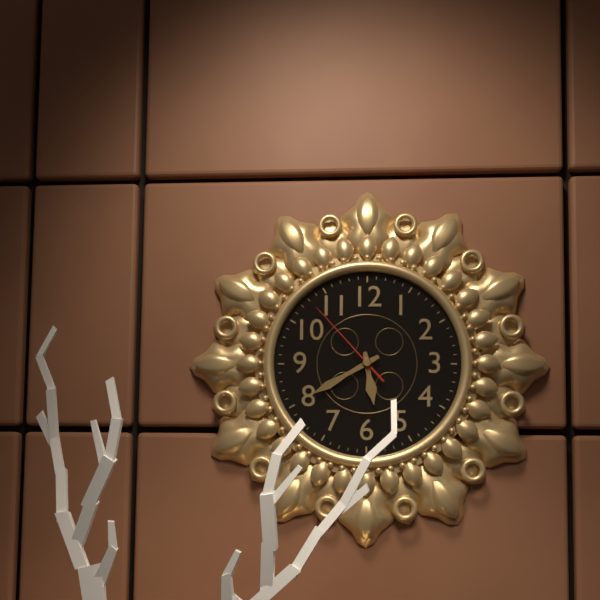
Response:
5.40.53
